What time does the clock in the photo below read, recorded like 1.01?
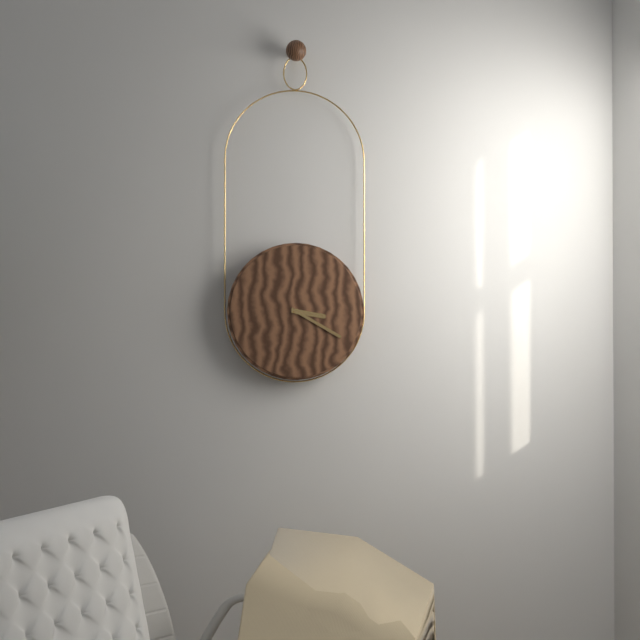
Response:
3.20
